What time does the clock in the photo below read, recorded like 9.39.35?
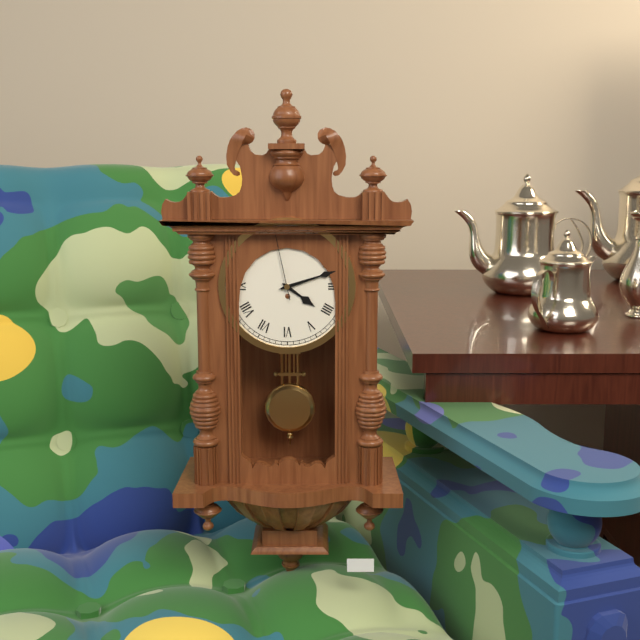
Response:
4.12.58
